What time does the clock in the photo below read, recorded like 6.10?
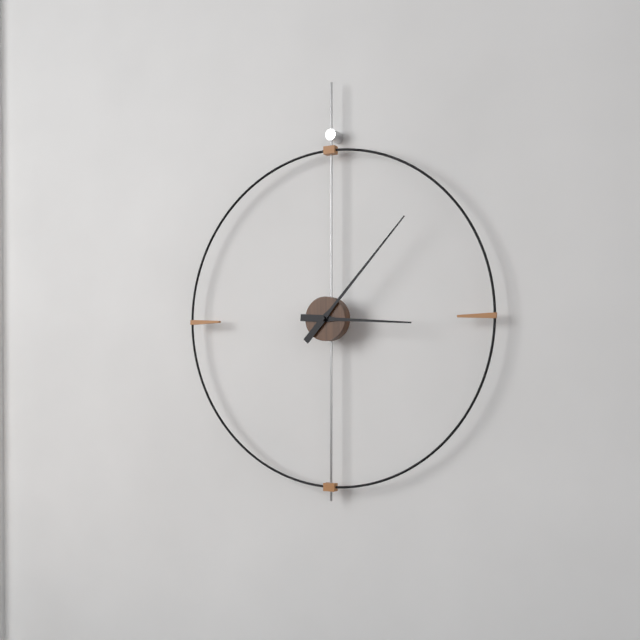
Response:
3.07
